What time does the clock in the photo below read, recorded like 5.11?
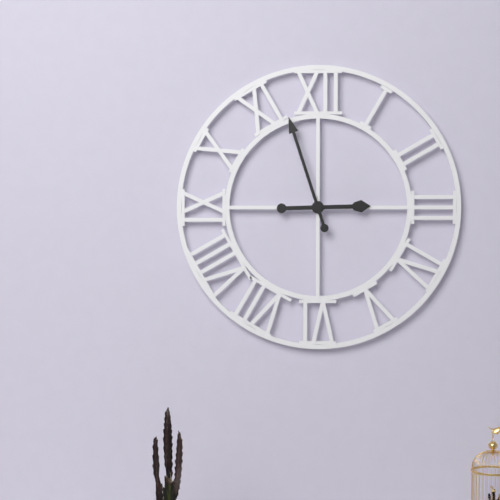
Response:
2.57
